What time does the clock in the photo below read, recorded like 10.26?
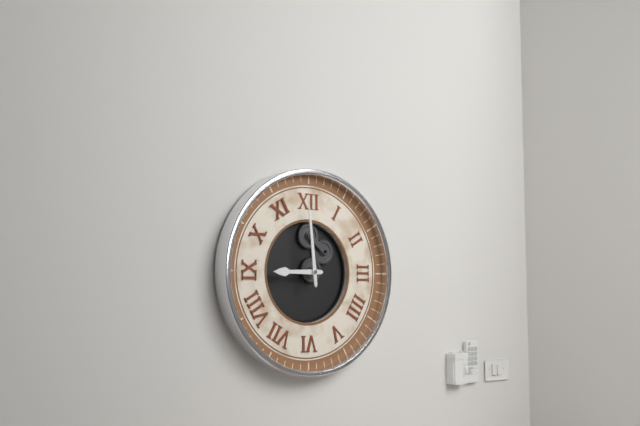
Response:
8.59
